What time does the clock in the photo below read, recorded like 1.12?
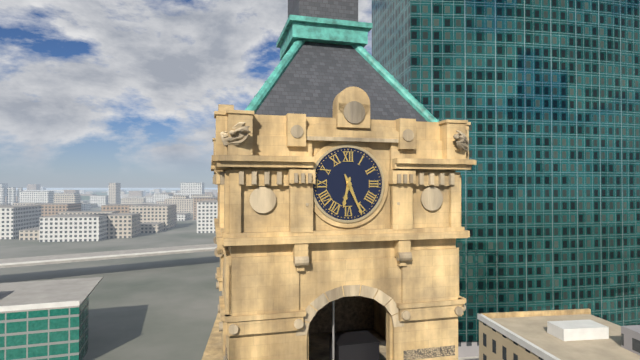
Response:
6.26
